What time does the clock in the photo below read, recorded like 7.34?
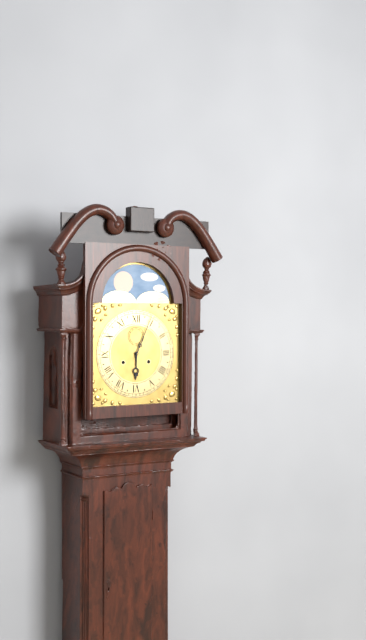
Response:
6.04
